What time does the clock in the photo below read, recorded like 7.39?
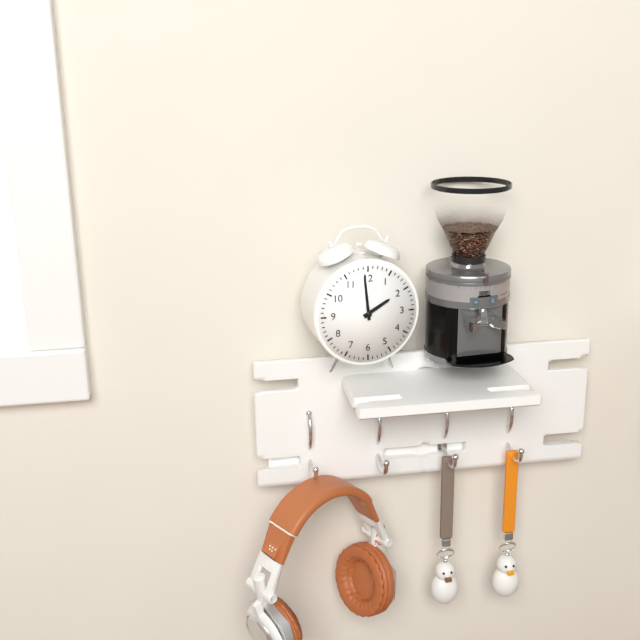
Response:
1.59
